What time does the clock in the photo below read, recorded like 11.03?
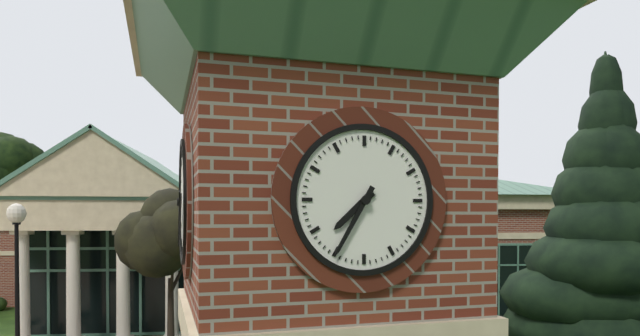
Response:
7.35
